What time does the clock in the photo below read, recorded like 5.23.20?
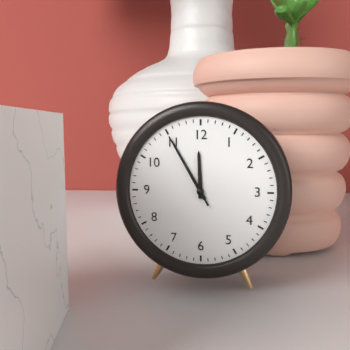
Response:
11.55.55
